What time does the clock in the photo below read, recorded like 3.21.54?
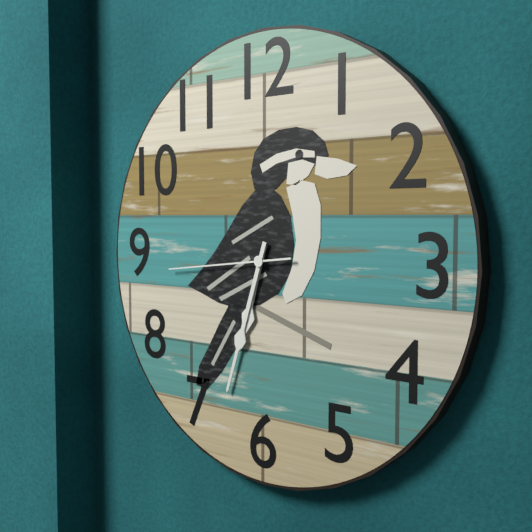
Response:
6.33.44
